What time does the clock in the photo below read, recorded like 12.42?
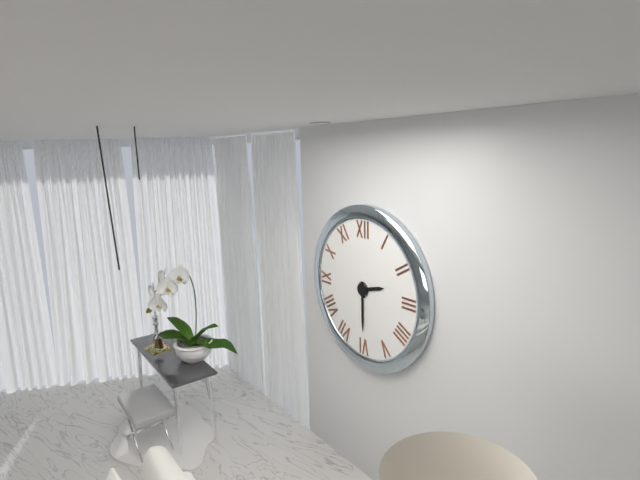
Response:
2.30
